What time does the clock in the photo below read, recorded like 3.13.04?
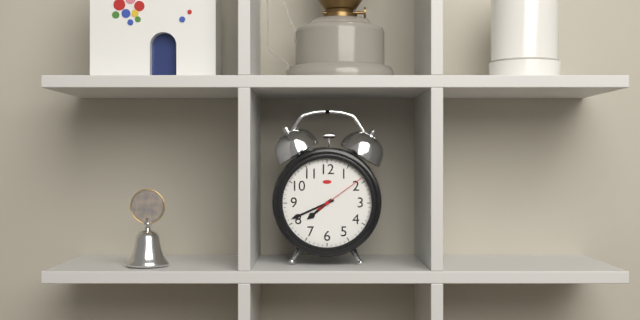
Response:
7.41.09
